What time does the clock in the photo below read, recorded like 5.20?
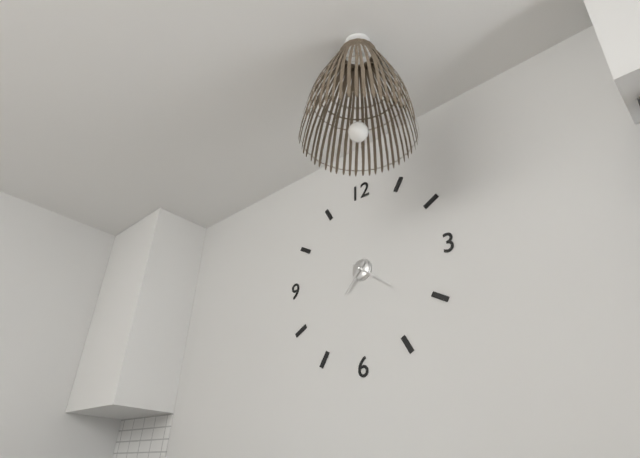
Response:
7.21
